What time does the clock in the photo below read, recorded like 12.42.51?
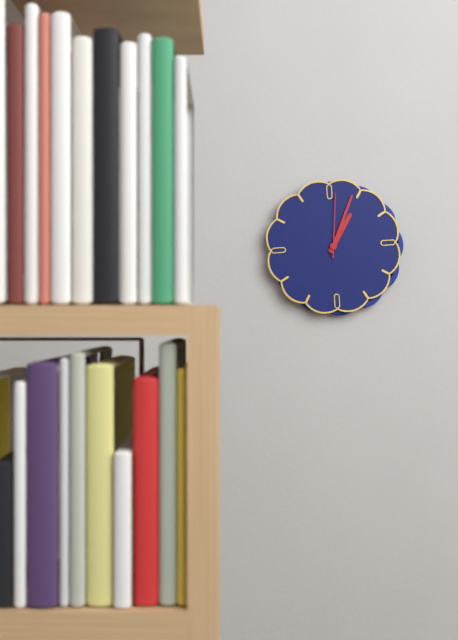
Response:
1.04.01
